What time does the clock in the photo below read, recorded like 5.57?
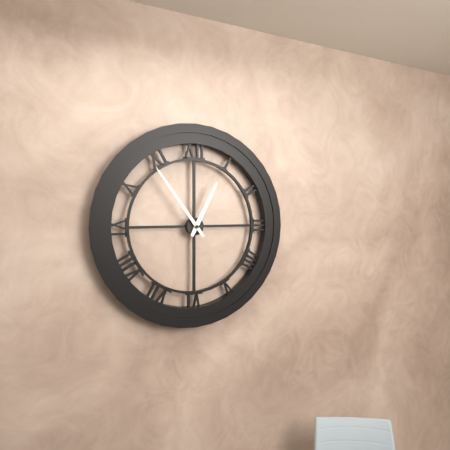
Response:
12.54
